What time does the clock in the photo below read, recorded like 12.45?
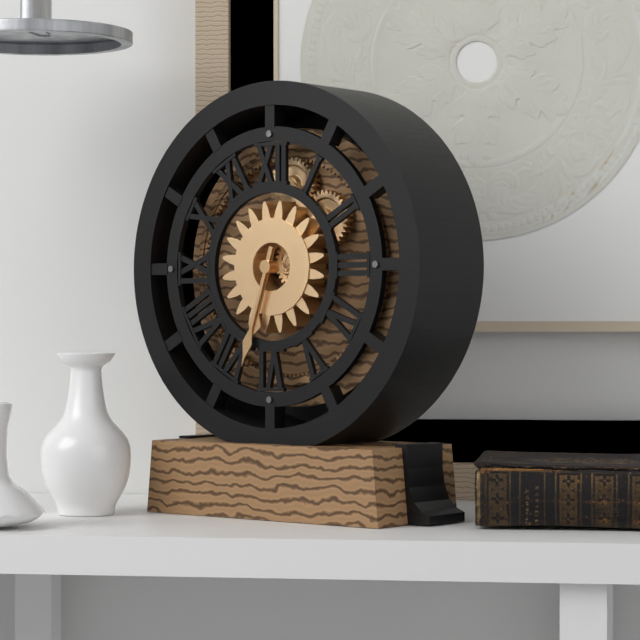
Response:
6.33
